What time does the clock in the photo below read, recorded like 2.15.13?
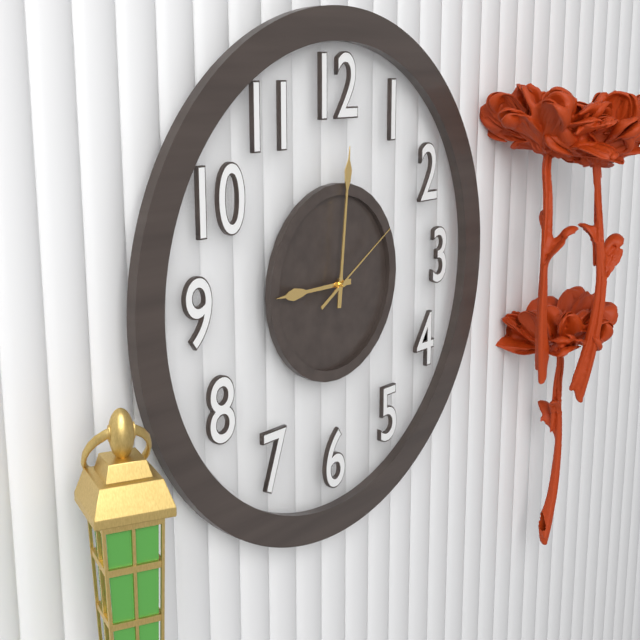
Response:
9.01.10
